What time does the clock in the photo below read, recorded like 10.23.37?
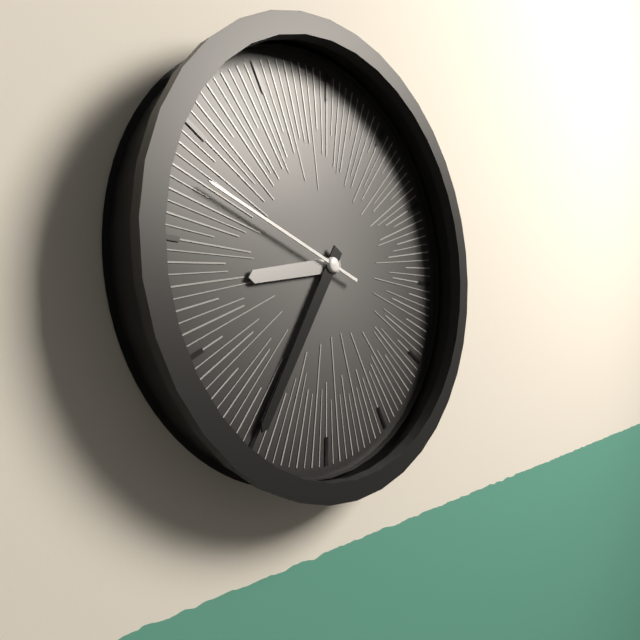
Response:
8.35.48
